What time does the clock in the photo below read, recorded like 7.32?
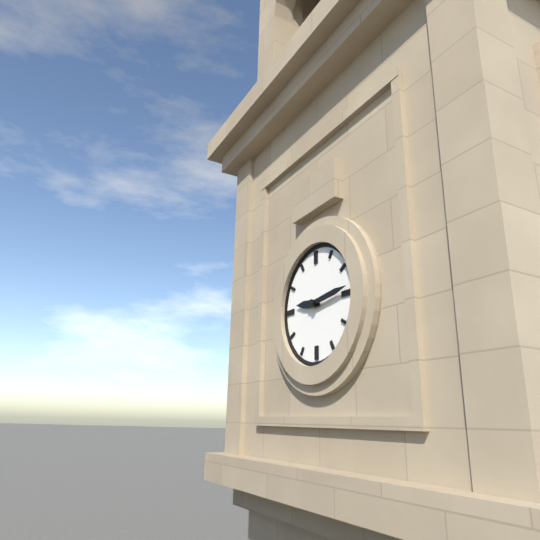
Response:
9.14
